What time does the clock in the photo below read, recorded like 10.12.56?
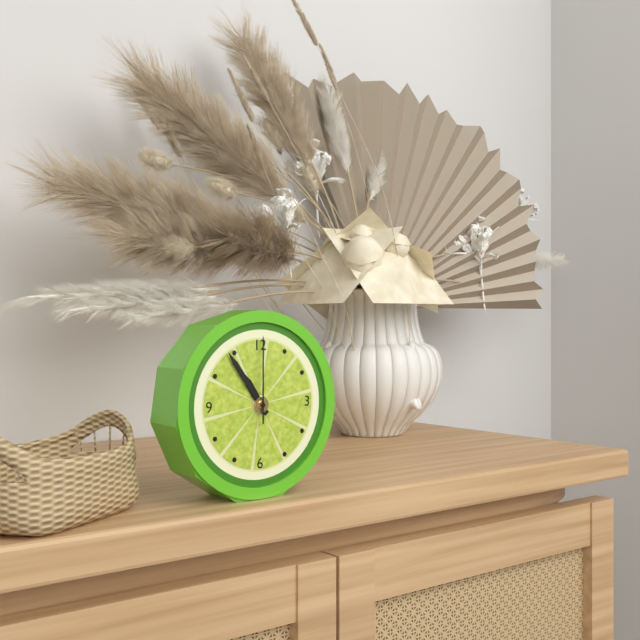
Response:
10.54.00
